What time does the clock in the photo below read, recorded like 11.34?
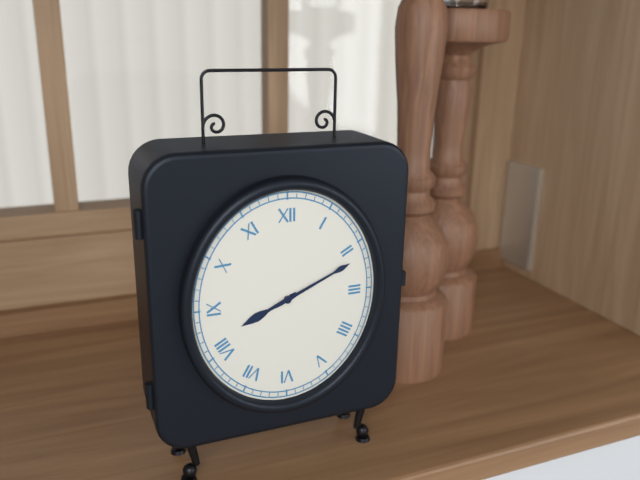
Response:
8.11
